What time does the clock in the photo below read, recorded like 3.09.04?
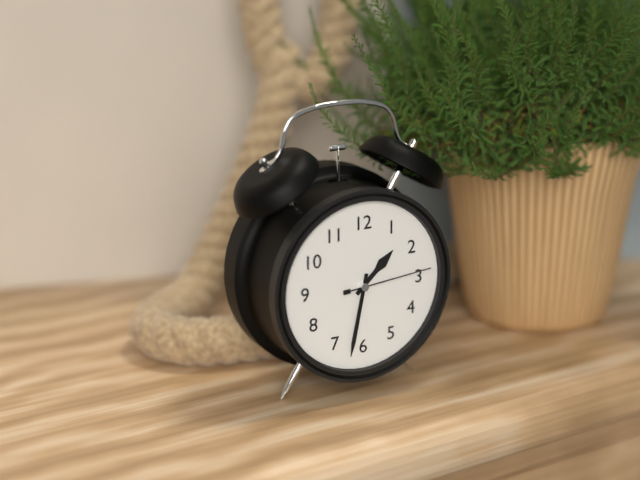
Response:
1.32.14
